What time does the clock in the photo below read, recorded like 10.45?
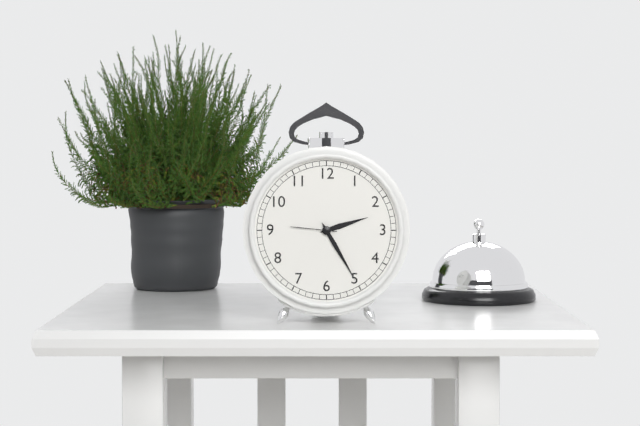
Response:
2.25
